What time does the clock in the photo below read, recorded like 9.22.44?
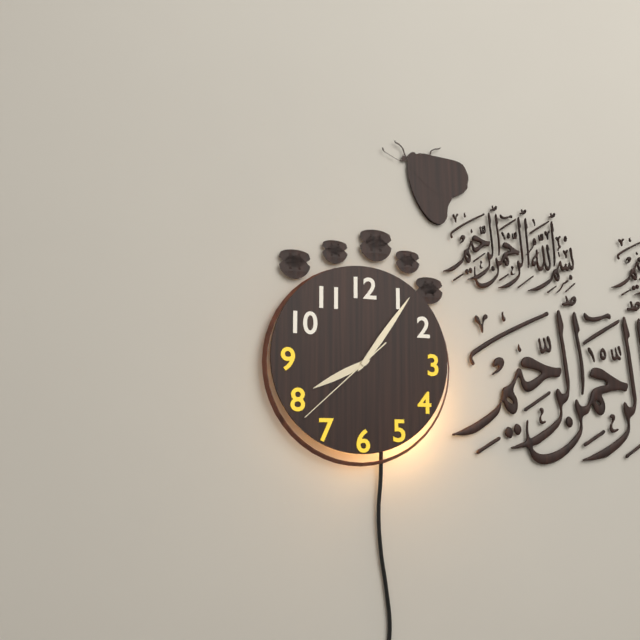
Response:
8.06.38
